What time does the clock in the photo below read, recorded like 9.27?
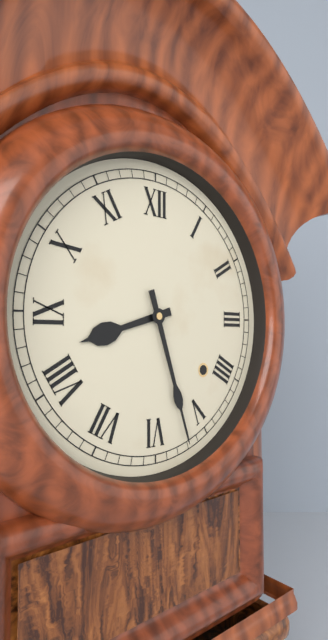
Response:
8.27
